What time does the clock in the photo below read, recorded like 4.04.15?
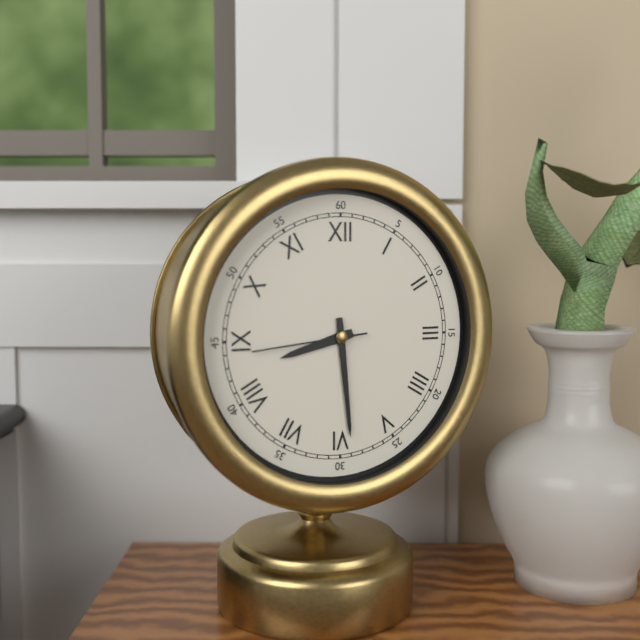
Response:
8.29.44
